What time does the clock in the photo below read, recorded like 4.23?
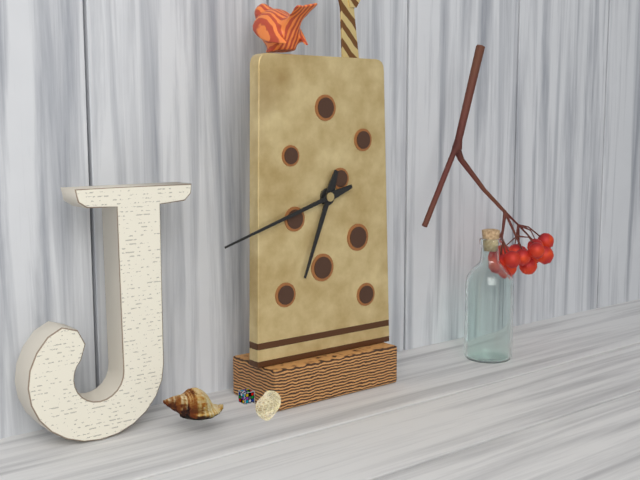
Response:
6.42
